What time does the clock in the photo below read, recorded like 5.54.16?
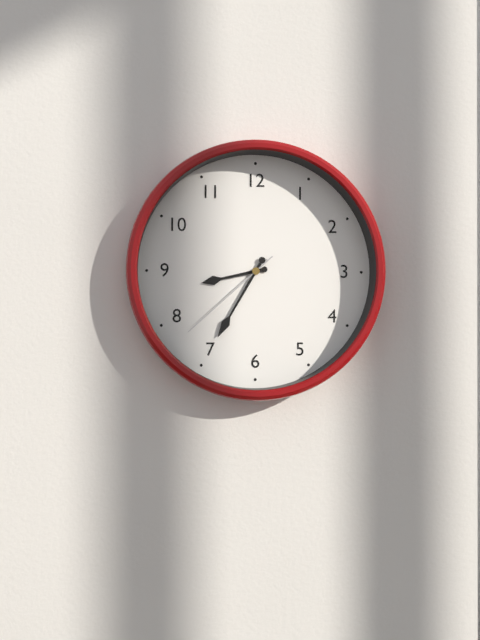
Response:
8.35.38
